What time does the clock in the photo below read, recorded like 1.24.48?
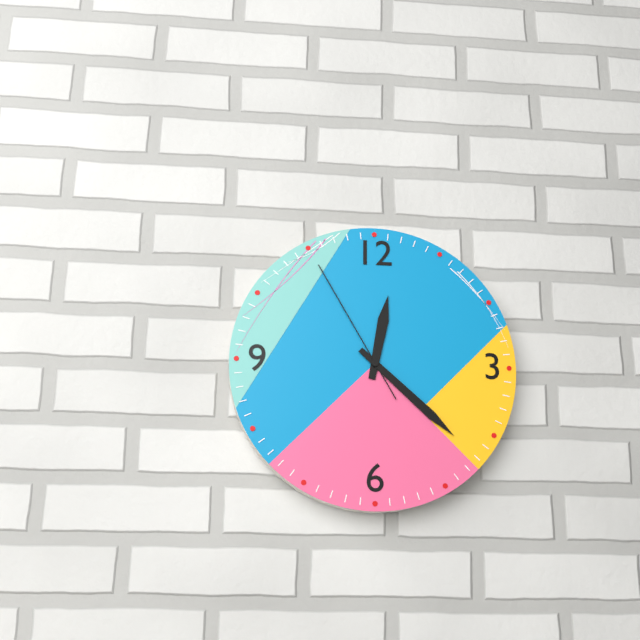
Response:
12.22.55
